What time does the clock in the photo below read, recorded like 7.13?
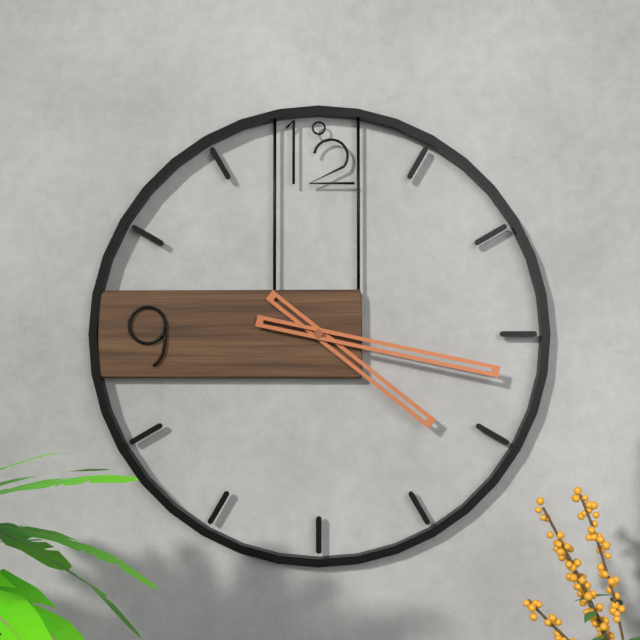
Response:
4.17
